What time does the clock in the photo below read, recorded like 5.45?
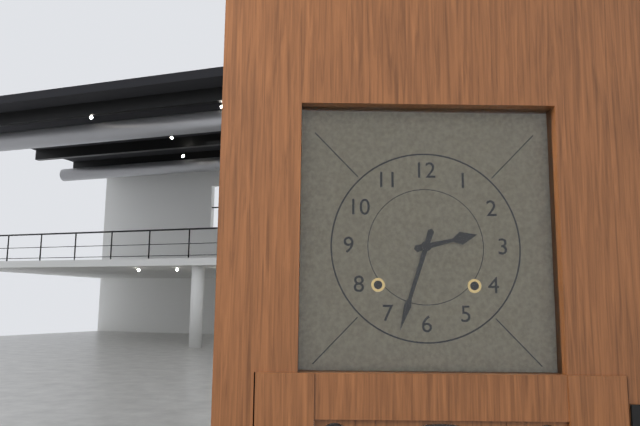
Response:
2.33
